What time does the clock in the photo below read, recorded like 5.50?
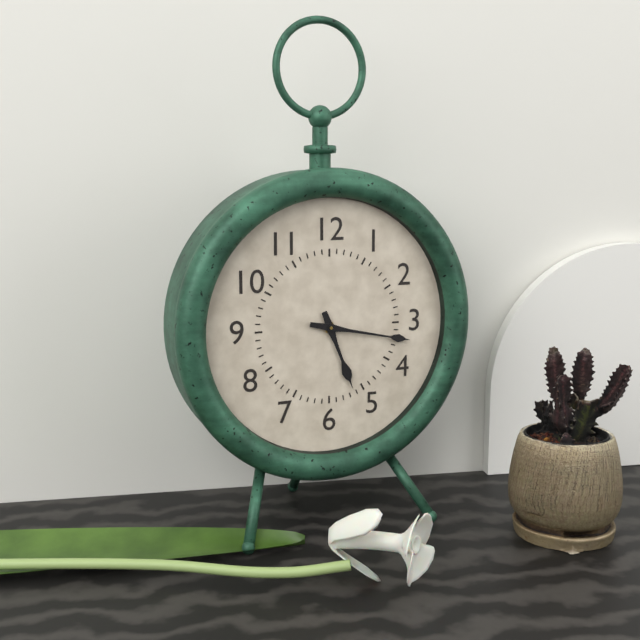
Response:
5.17
